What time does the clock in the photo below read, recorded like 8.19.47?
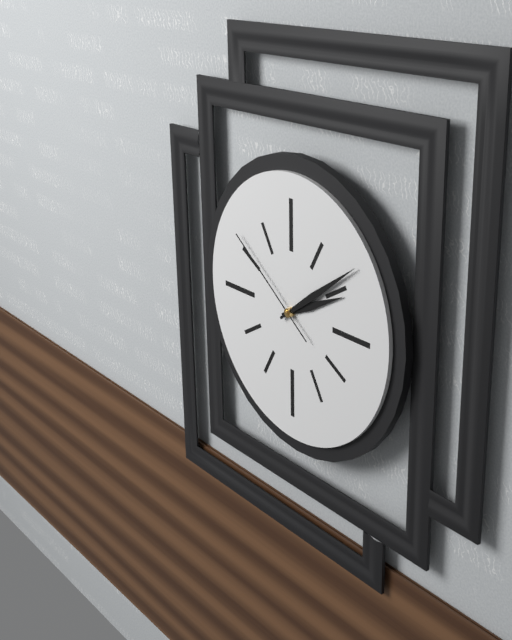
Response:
2.09.51
